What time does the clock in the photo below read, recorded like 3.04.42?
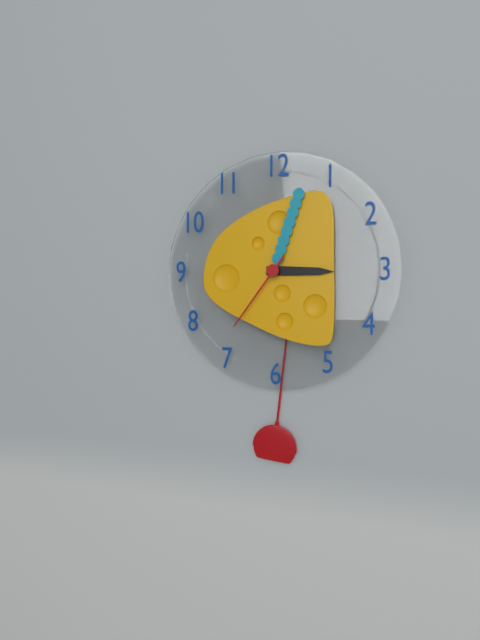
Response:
3.03.36
